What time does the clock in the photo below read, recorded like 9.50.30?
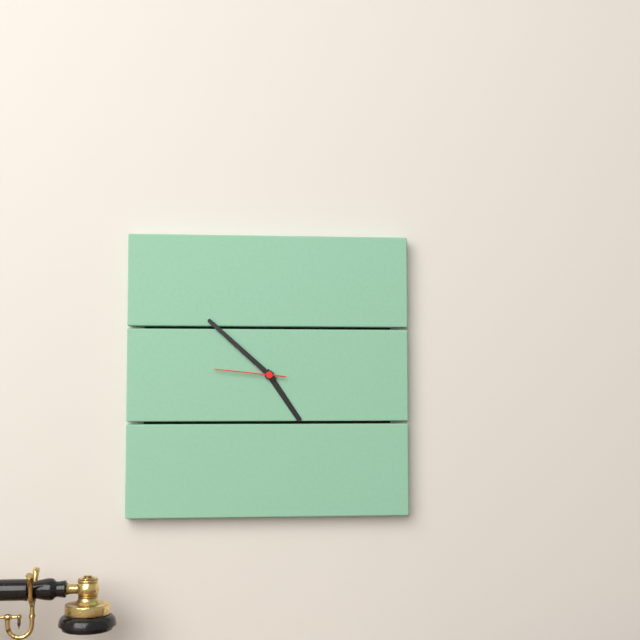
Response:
4.52.46
